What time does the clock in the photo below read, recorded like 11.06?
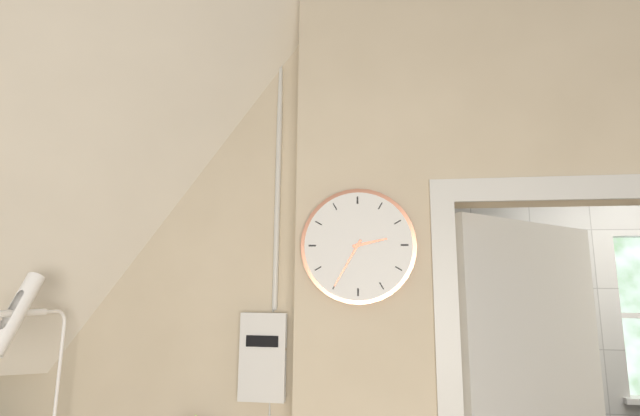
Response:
2.35
